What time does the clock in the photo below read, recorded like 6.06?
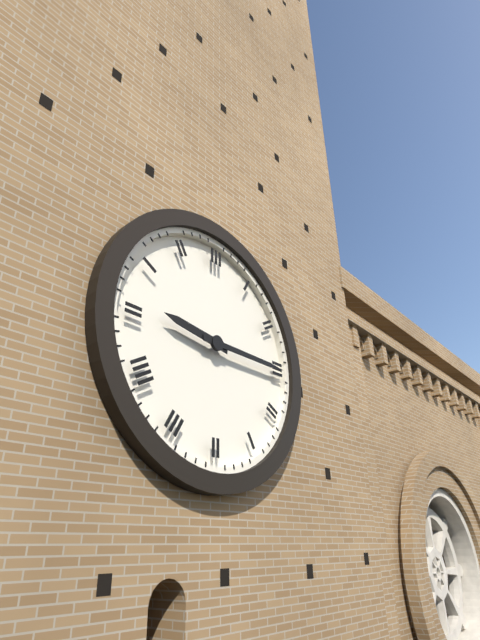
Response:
9.15
